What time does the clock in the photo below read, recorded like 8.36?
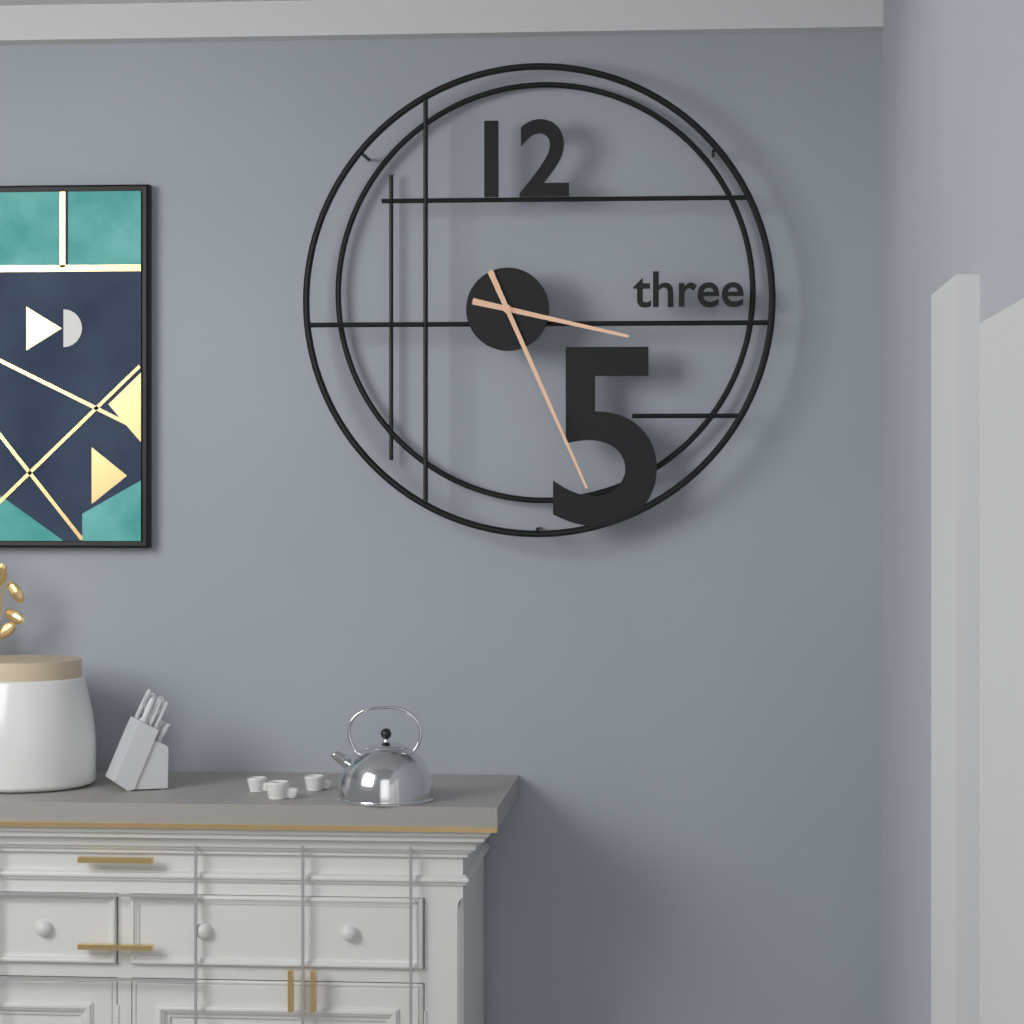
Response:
3.26
